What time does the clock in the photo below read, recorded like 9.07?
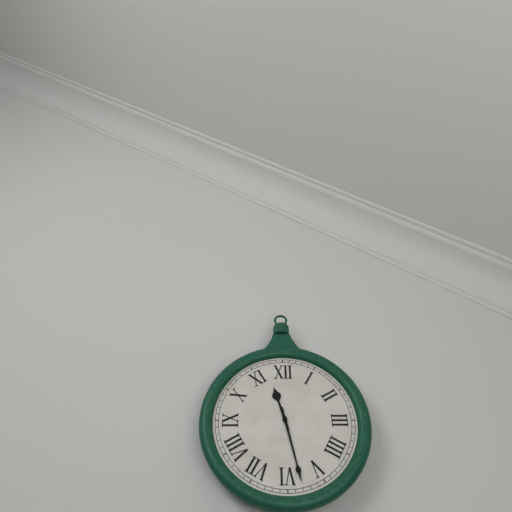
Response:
11.28
